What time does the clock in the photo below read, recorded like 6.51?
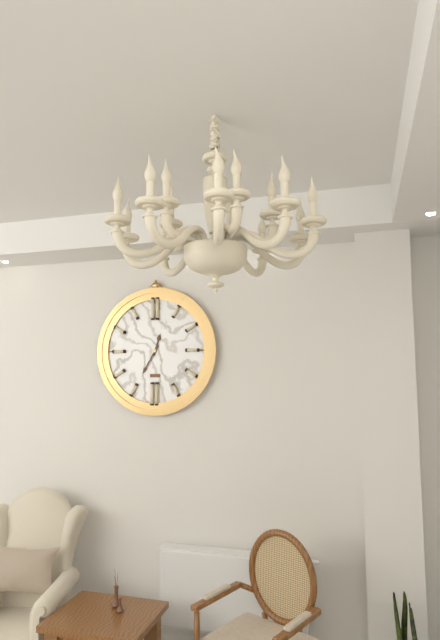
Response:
12.35
